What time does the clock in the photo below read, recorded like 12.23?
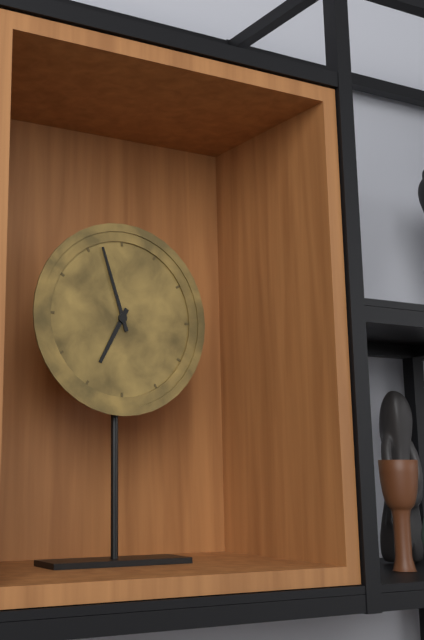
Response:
6.57
